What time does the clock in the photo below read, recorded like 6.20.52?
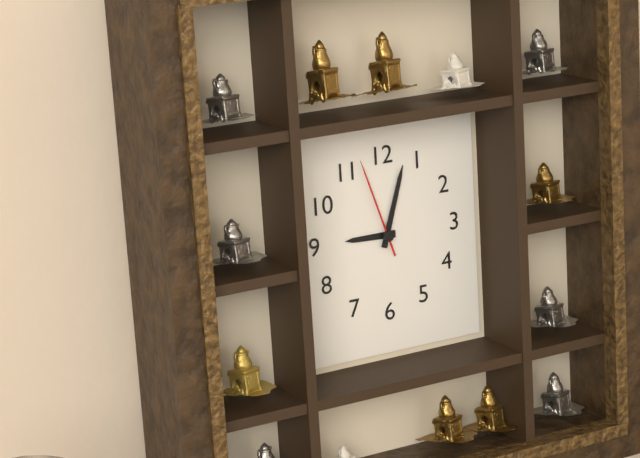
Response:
9.03.57
